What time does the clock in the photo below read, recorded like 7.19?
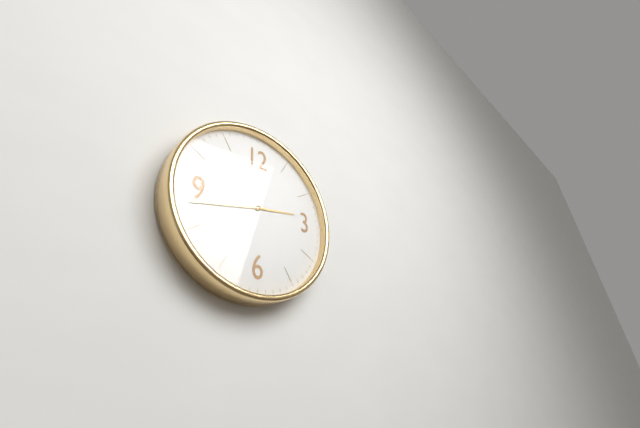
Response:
2.43
